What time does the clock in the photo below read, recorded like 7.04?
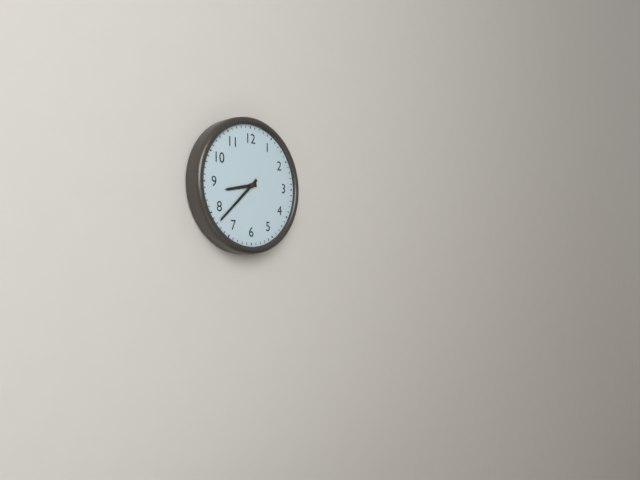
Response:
8.38
